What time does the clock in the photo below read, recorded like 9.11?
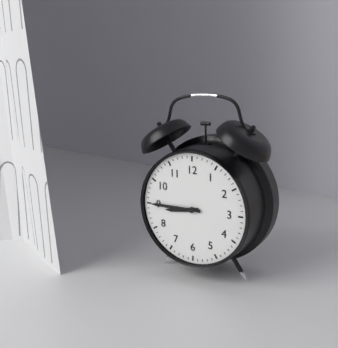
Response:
8.45
